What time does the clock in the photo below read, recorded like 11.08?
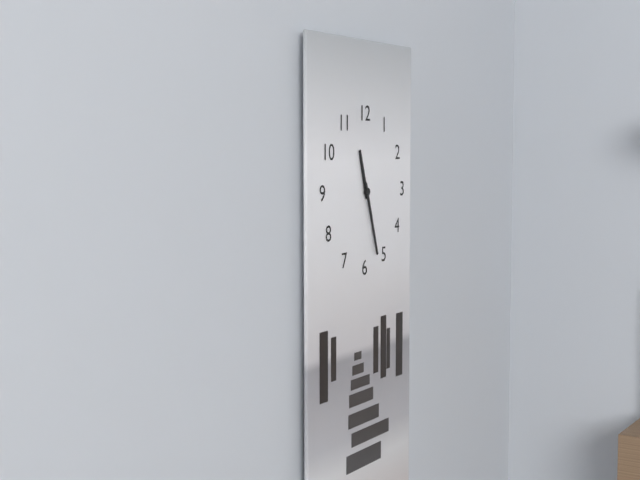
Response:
11.27
